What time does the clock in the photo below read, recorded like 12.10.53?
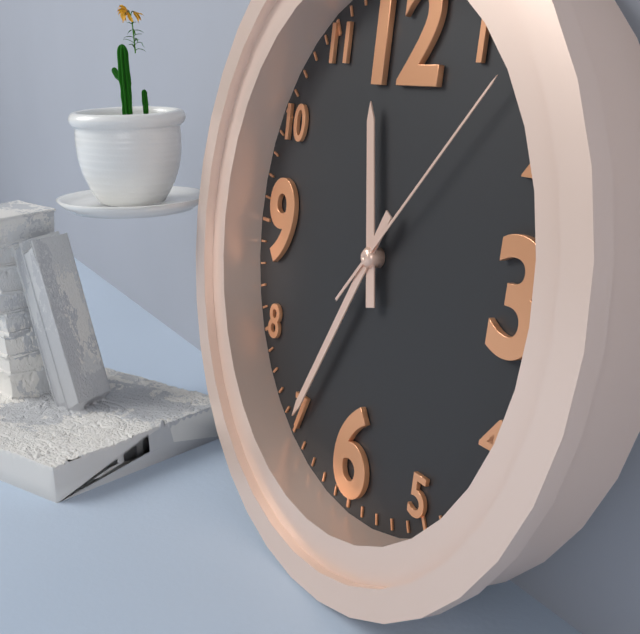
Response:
11.35.07
